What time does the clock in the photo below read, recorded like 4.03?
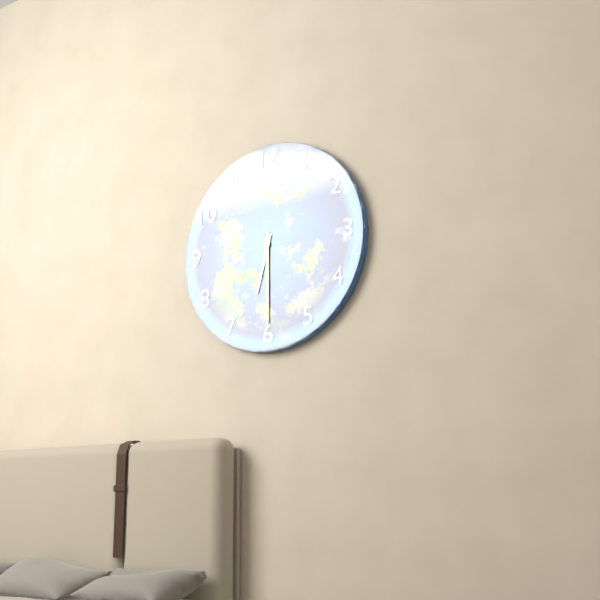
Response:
6.30
